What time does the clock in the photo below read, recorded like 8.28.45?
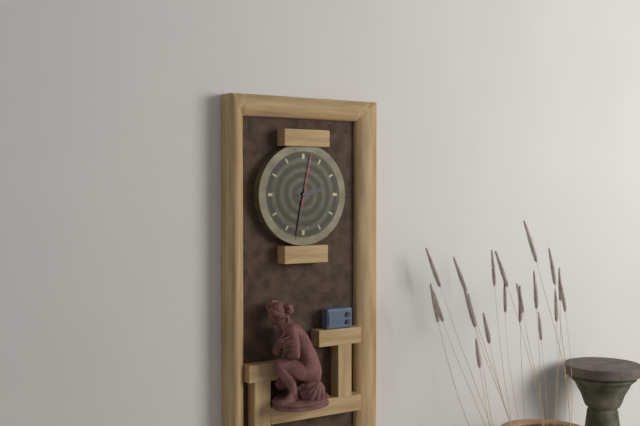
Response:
2.32.02
